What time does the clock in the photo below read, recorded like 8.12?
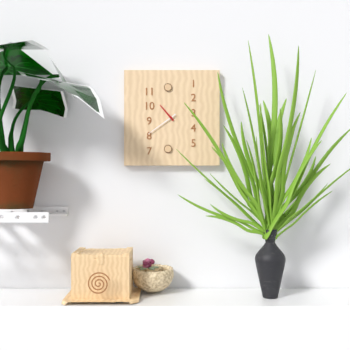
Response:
10.39
